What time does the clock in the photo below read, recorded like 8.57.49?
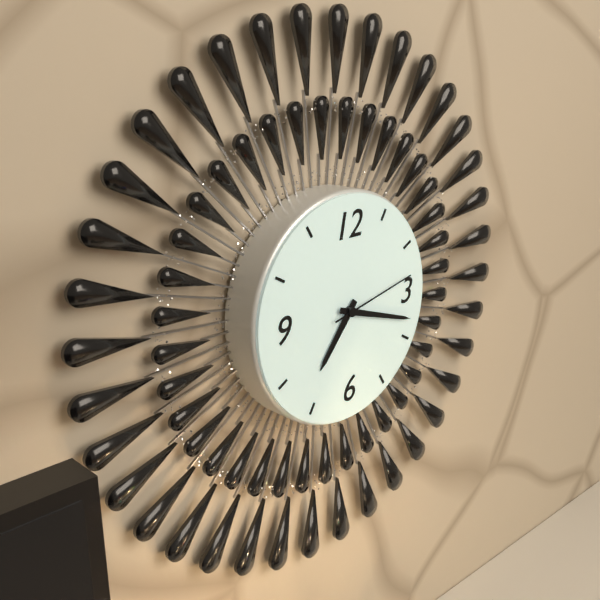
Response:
7.18.13
